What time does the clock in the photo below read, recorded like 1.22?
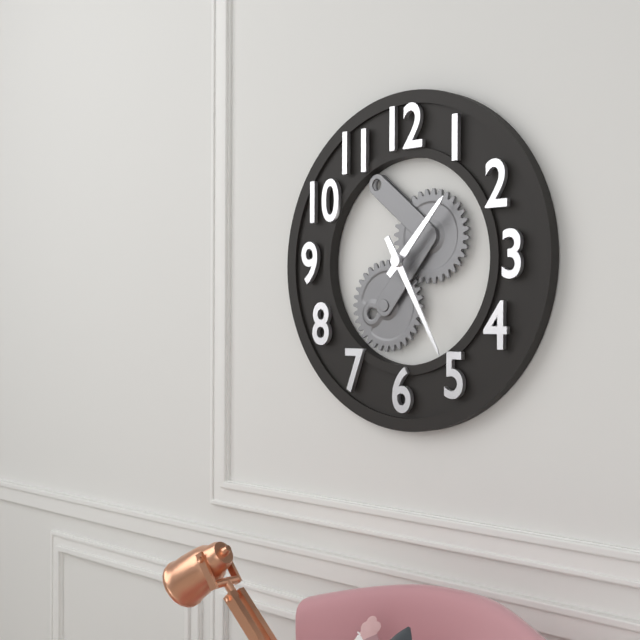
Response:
1.25
